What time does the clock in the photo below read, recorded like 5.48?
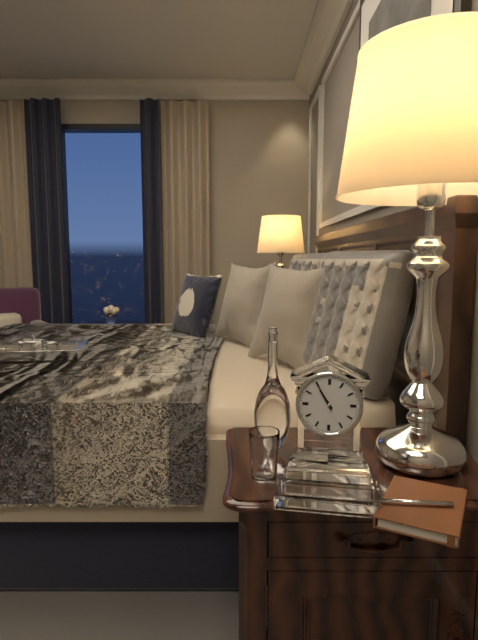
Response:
10.55
